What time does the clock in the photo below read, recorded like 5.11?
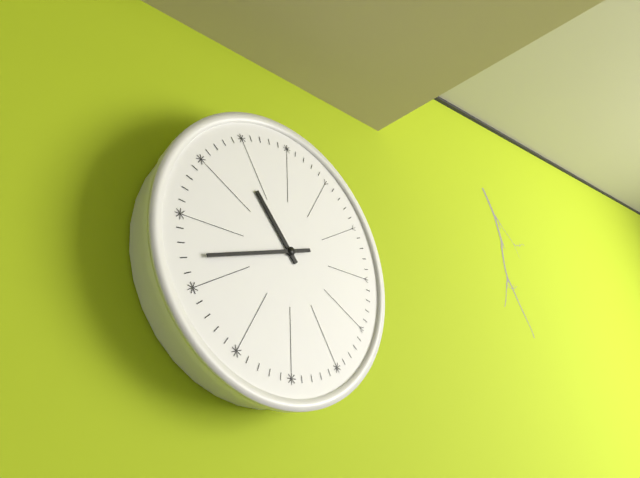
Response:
10.42
